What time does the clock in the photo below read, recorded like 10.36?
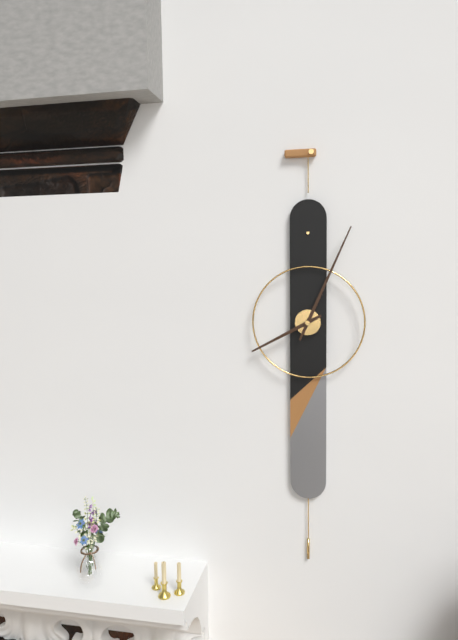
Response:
8.04
